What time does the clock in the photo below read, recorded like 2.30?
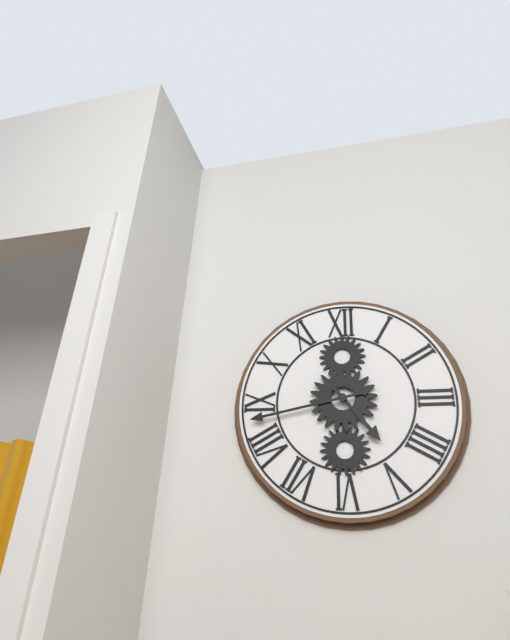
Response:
4.43
